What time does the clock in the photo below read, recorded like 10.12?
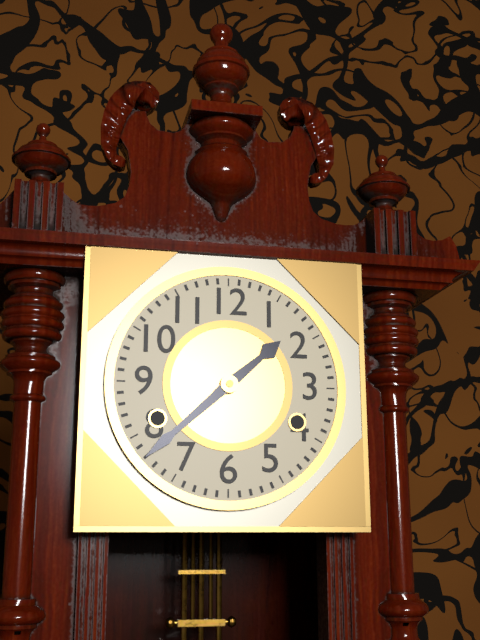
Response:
1.38
